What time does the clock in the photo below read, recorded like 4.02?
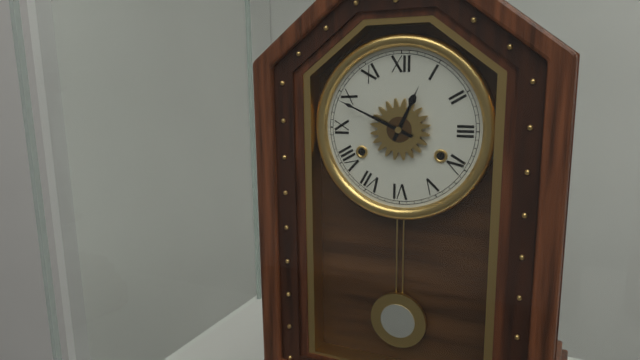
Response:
12.49
